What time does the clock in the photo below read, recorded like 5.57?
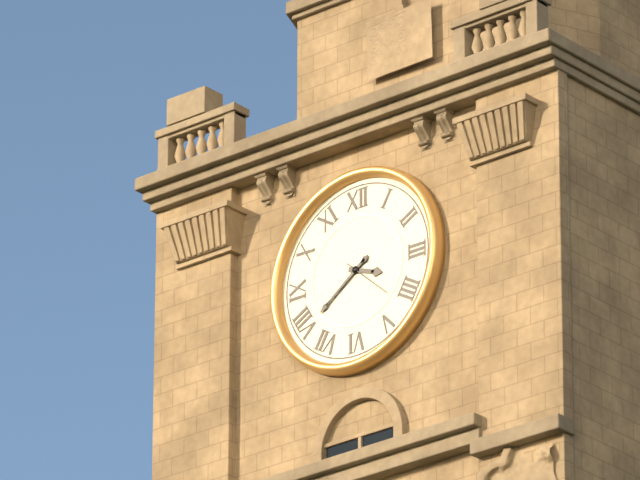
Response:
3.39
